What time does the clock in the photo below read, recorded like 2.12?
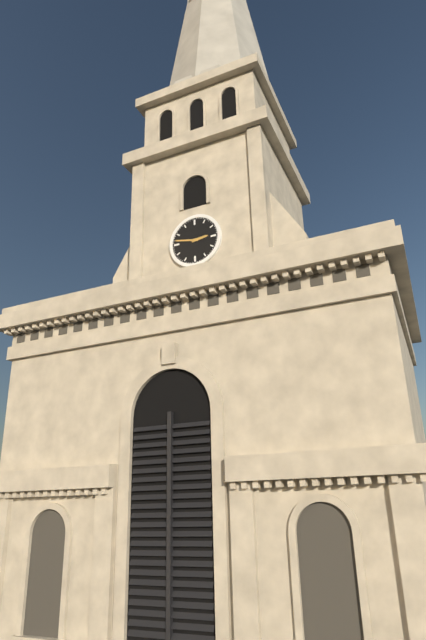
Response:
2.47
